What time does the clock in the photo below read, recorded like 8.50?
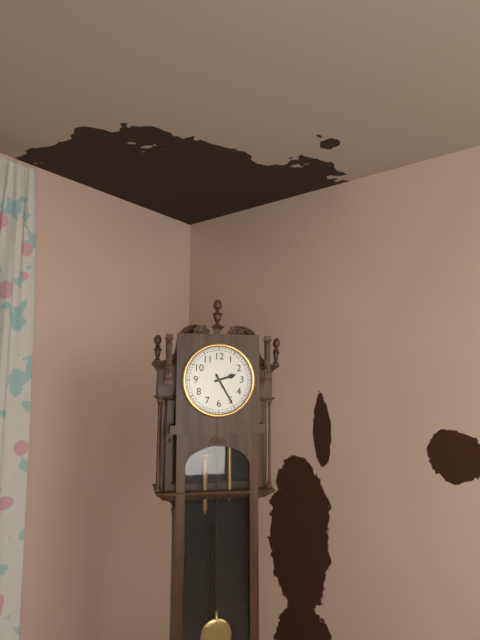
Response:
2.25
